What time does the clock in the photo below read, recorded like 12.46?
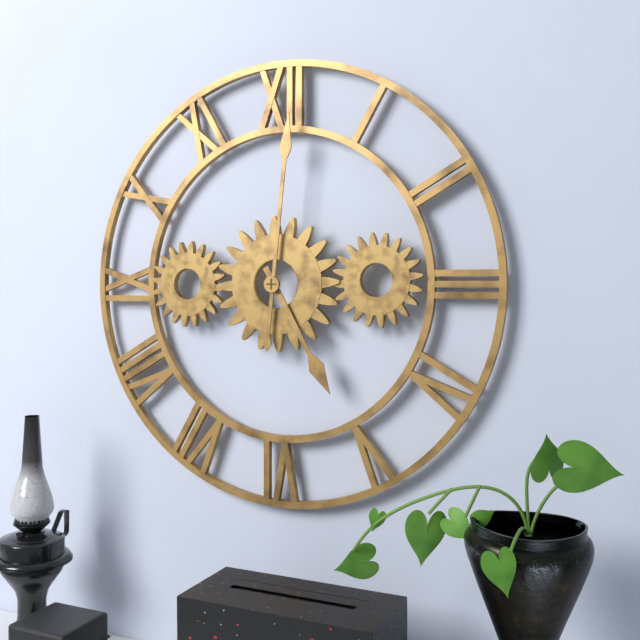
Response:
5.01
